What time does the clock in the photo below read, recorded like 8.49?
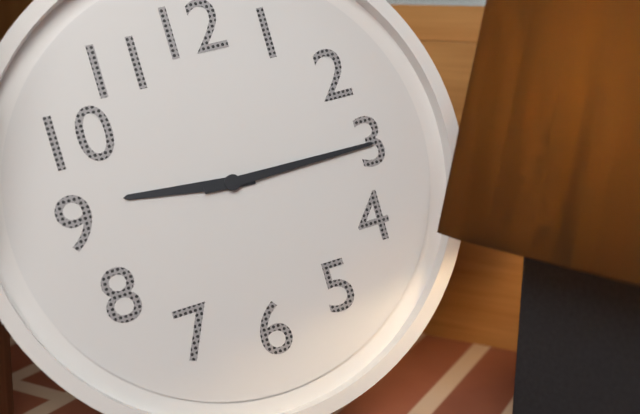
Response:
9.15
